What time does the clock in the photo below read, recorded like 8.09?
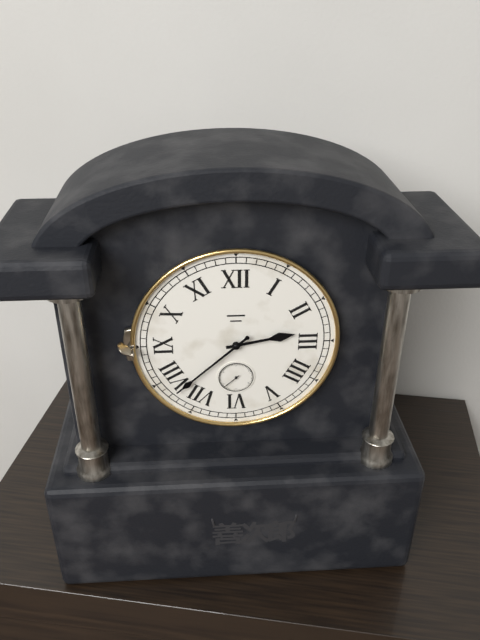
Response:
2.38
